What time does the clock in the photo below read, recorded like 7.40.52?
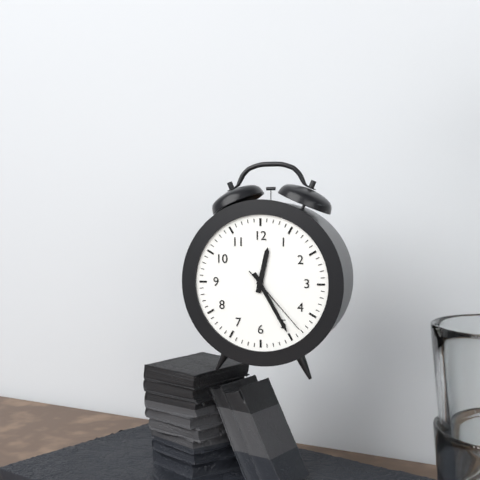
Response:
12.25.23
